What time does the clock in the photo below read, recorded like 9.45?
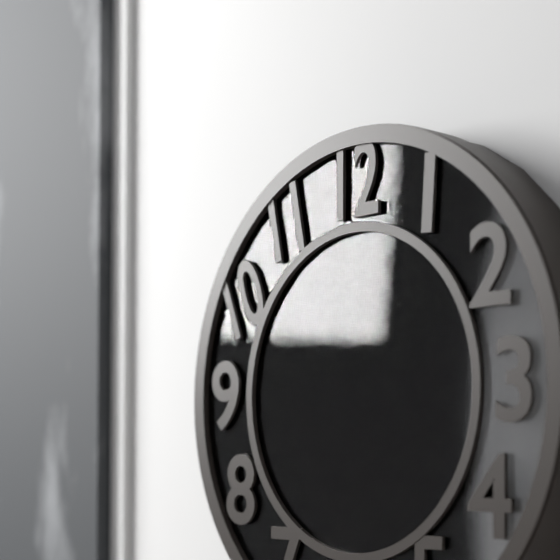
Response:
1.55
